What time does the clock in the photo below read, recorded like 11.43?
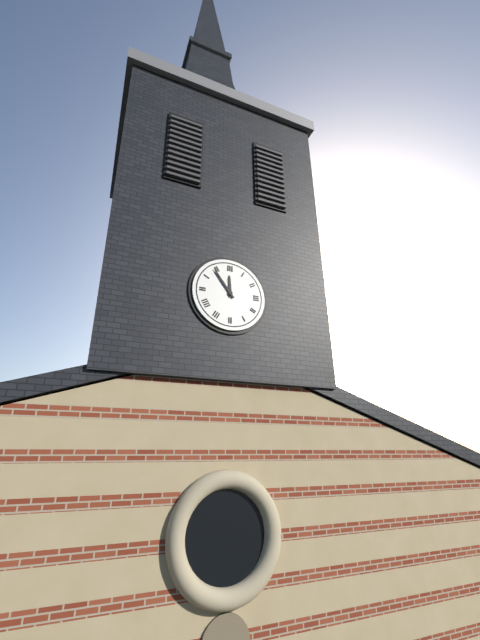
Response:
11.54
